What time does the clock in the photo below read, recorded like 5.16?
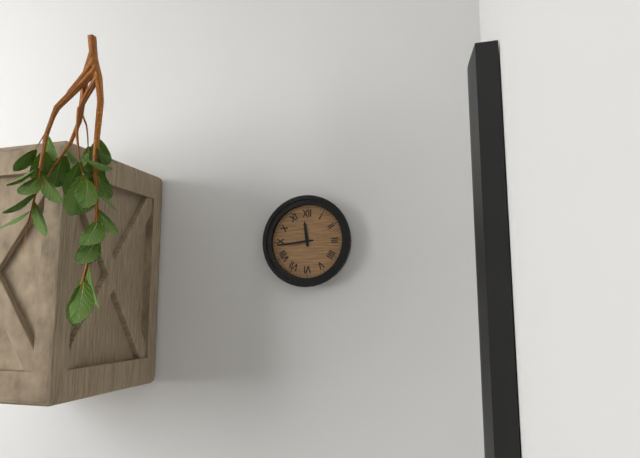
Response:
11.44
